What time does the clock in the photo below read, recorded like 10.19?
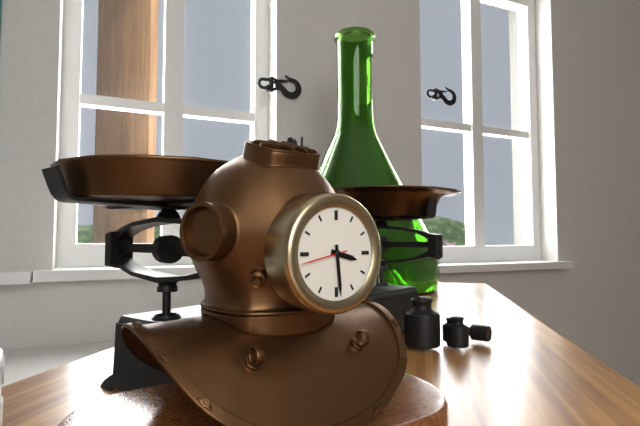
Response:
3.29
